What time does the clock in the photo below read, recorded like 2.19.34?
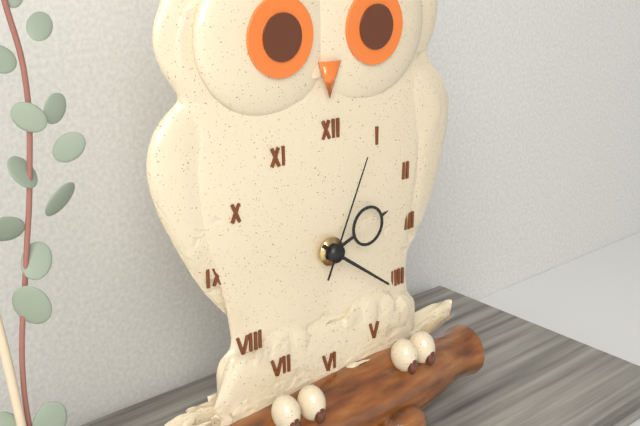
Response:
2.21.04
